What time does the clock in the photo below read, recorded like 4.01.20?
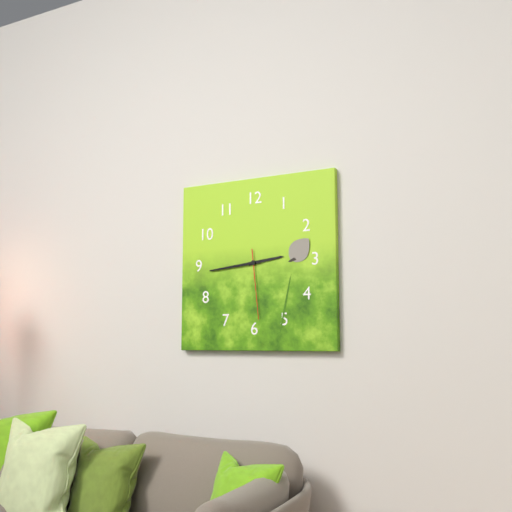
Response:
2.44.29
